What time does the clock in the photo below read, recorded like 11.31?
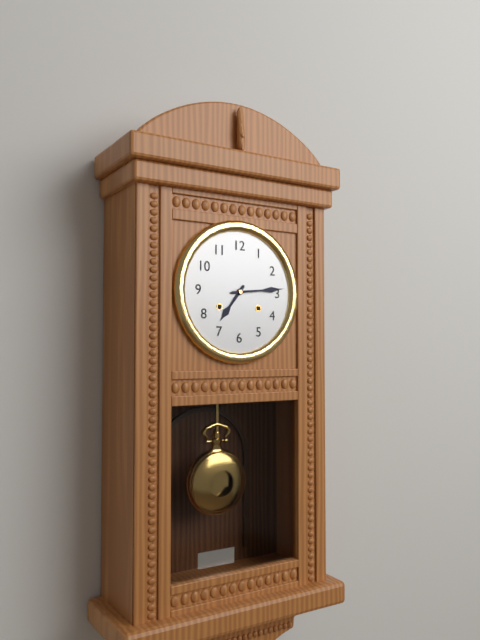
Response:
7.14
